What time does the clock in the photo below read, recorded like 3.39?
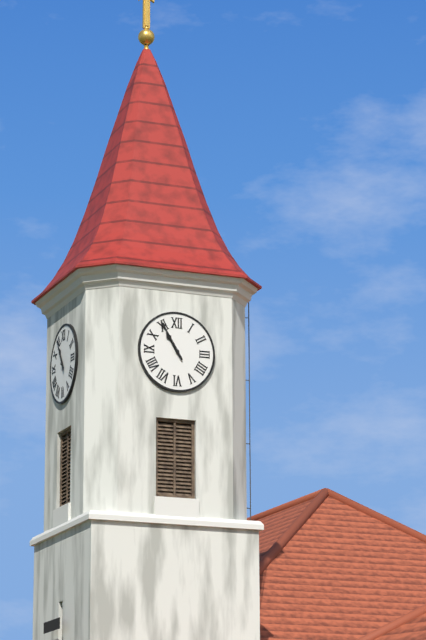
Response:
10.55
